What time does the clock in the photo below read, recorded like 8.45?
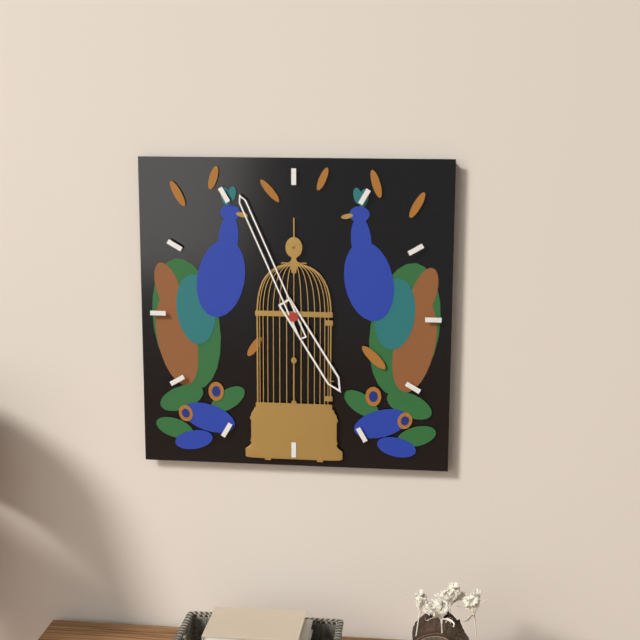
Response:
4.56
